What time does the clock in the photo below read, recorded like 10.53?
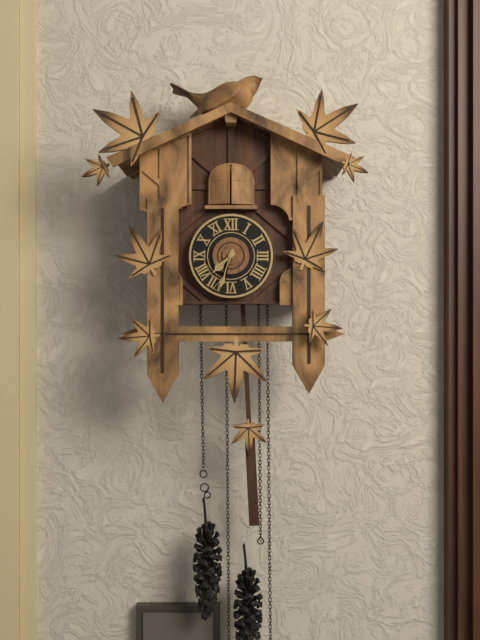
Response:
7.33
